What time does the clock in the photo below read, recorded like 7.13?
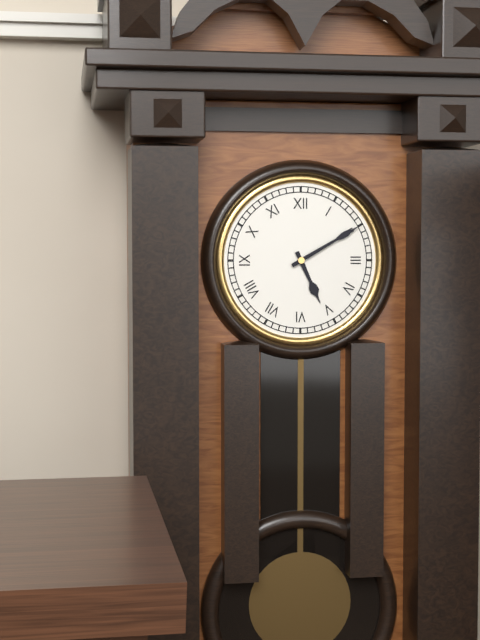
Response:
5.10
